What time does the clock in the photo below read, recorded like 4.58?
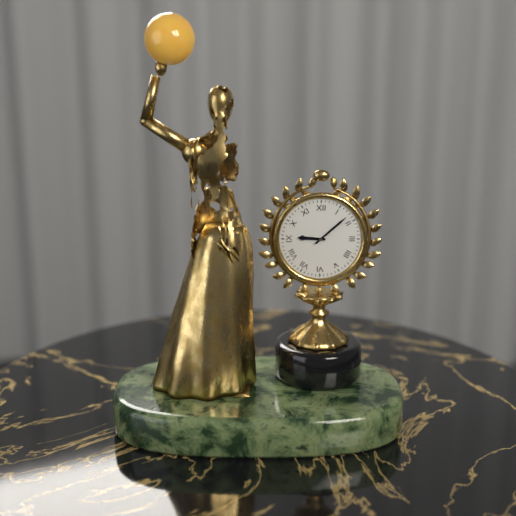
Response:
9.08
